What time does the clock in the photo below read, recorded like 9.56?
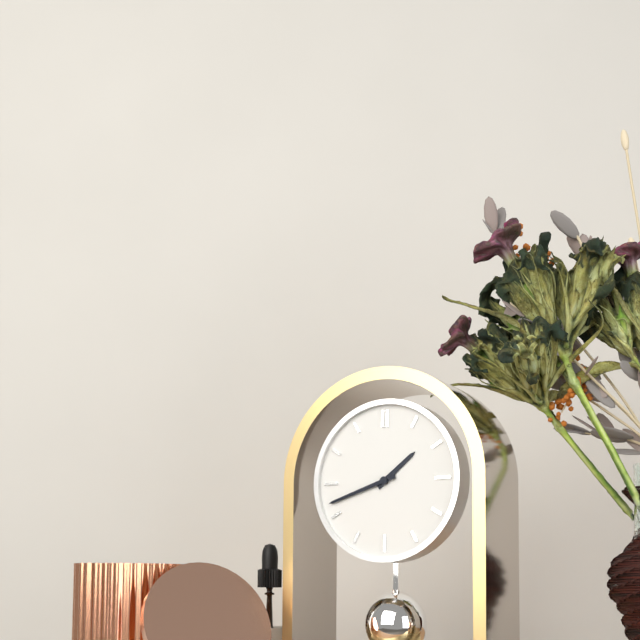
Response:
1.42
